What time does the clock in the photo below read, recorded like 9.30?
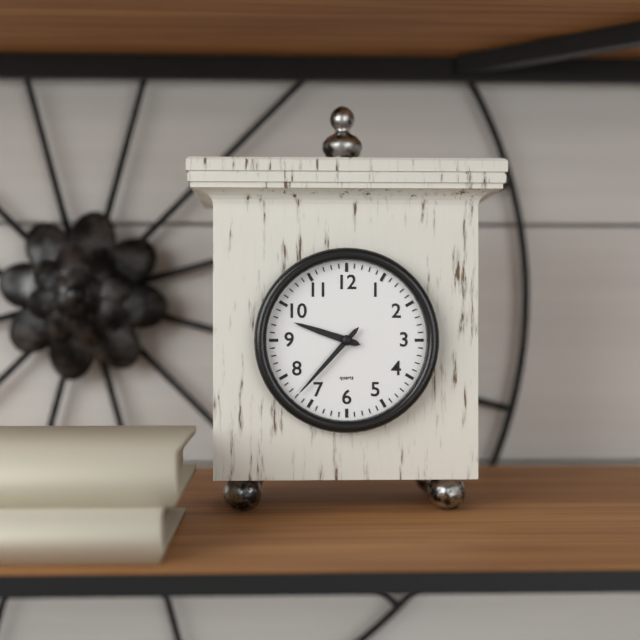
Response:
9.37
